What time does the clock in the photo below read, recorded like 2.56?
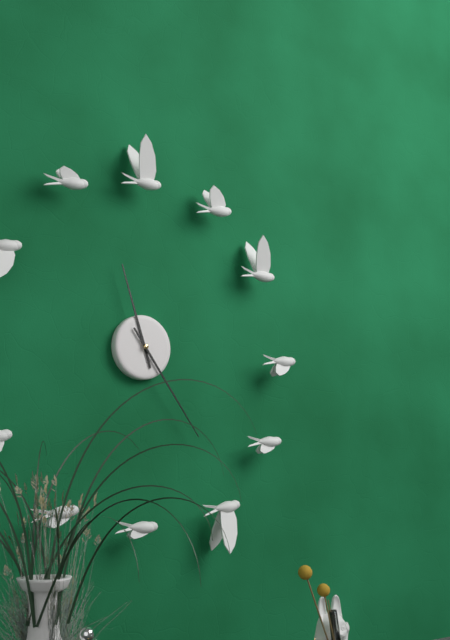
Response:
11.24
